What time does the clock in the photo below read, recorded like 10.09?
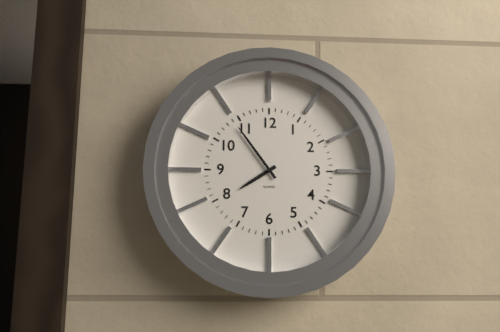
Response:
7.54
